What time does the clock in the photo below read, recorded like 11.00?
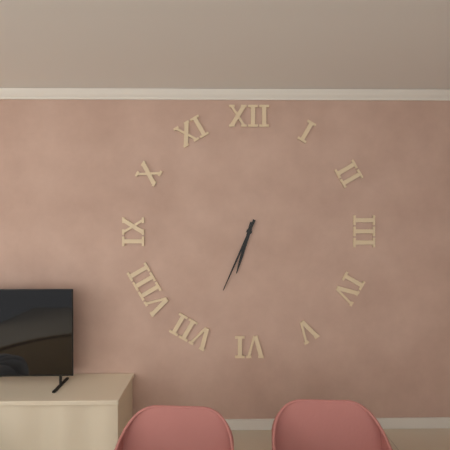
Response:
6.34
